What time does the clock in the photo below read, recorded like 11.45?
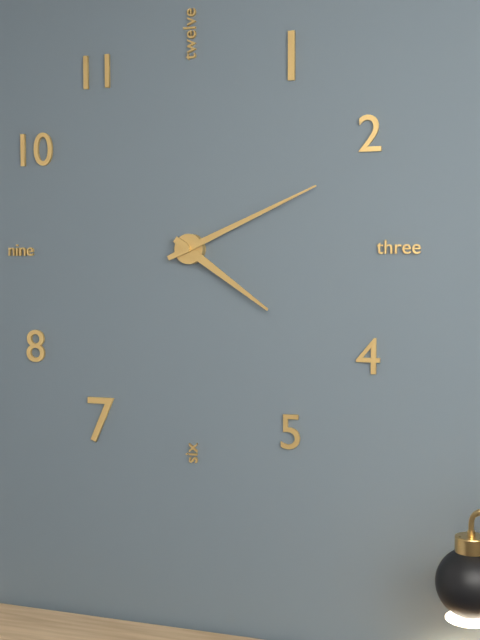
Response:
4.11
